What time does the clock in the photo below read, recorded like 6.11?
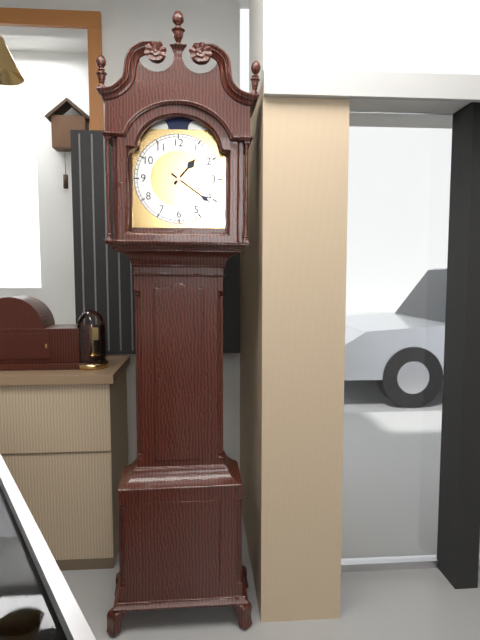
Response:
1.21
